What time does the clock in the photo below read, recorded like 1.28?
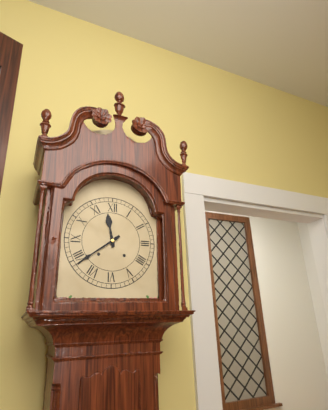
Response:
11.39
